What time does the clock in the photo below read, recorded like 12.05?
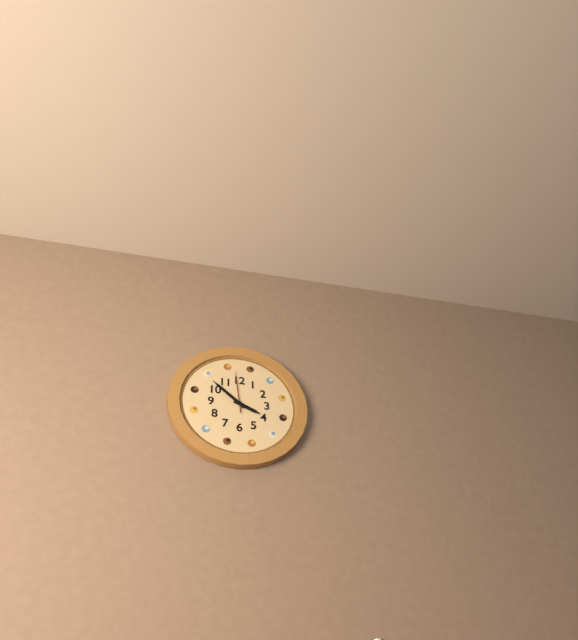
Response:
3.52
